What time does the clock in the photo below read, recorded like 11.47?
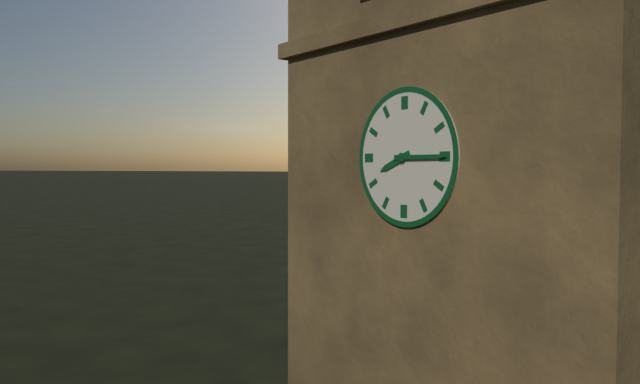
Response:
8.15
